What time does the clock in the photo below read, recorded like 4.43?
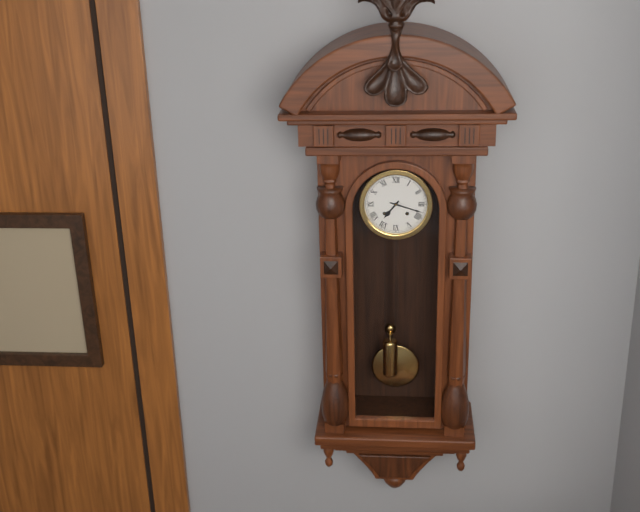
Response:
7.18
